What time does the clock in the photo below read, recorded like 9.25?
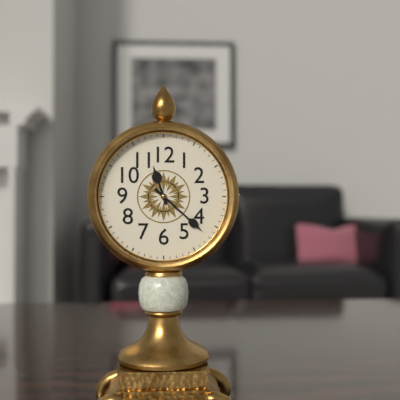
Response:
11.22
